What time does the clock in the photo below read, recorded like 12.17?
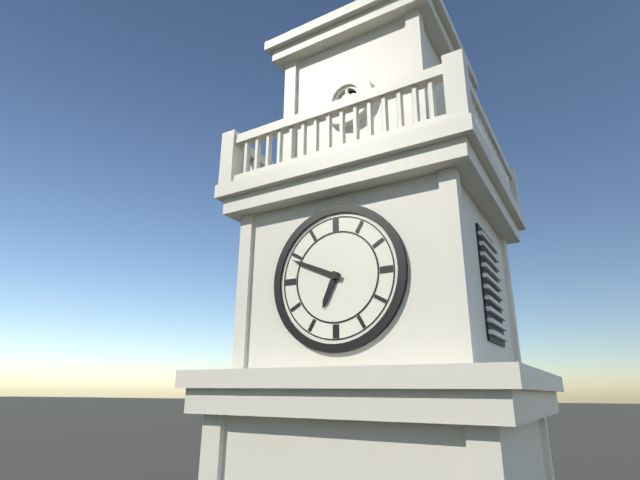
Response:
6.49
